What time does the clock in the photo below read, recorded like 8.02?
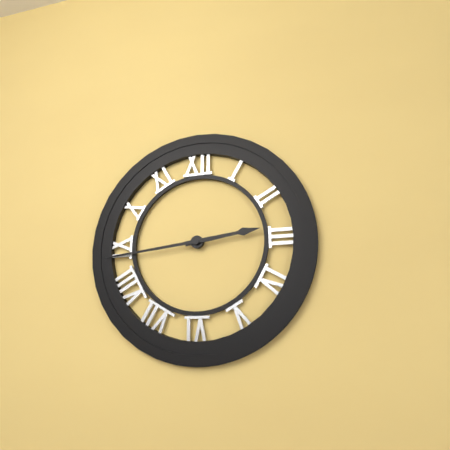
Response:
2.44
